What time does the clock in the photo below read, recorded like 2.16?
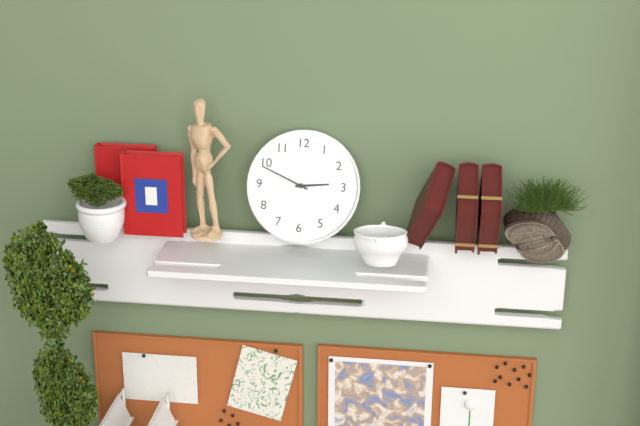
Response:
2.49
